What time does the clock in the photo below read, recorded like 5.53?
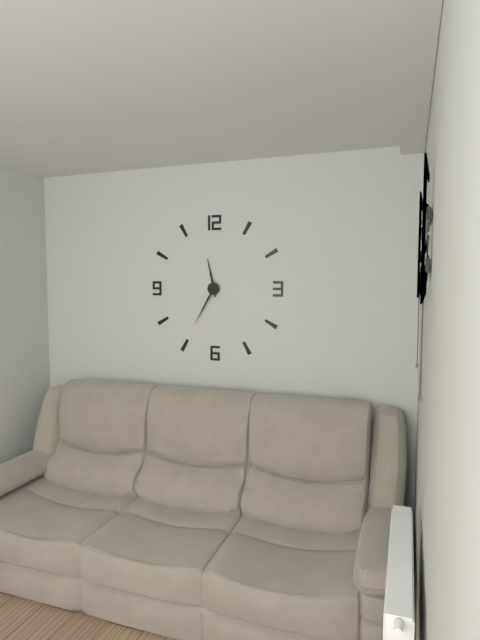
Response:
11.35
